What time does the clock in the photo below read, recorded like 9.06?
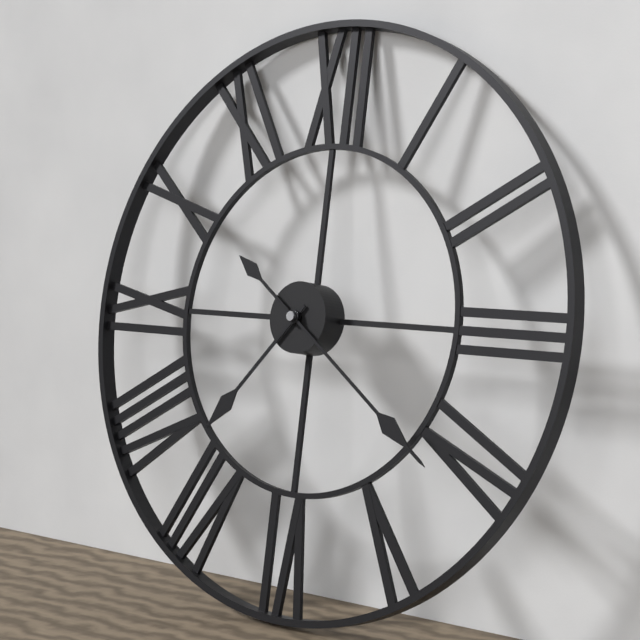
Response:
7.21
